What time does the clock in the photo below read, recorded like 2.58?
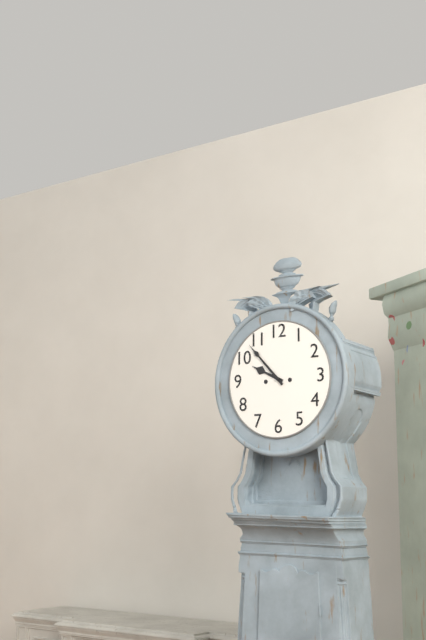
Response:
9.53
